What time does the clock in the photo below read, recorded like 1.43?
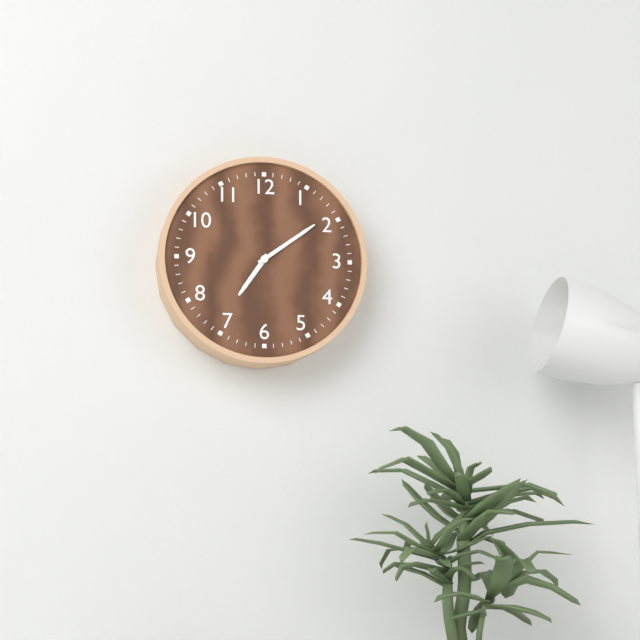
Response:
7.09
